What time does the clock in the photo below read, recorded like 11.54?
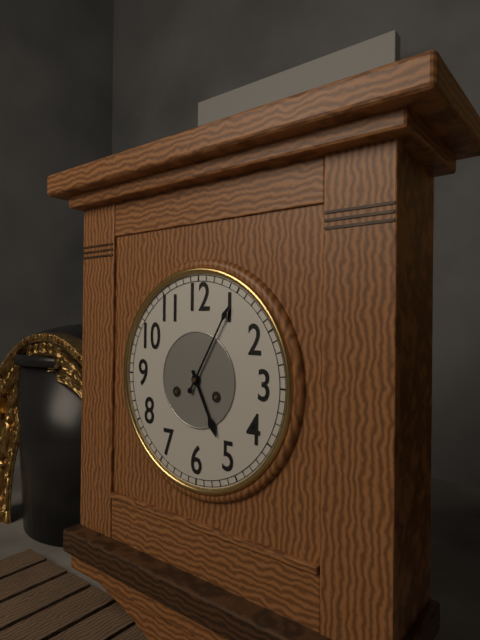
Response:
5.05
